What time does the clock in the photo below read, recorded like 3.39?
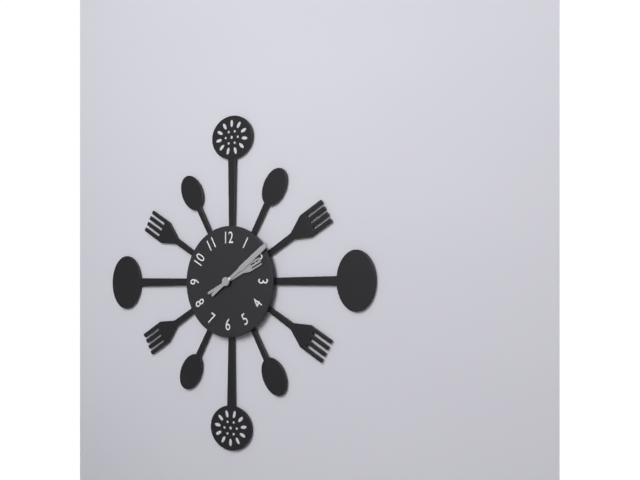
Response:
2.09
